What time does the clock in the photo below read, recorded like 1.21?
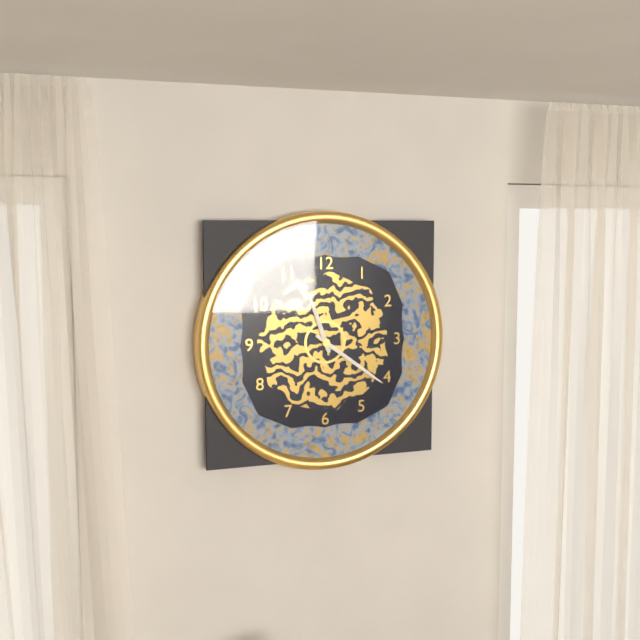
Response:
11.21
